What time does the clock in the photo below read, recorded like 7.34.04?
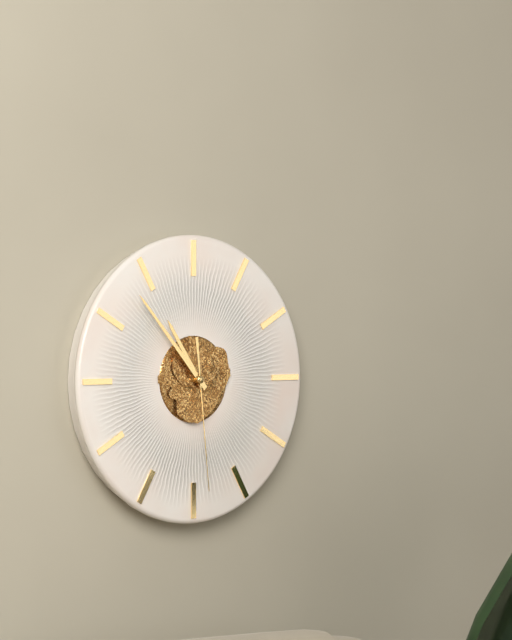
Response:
10.53.29
